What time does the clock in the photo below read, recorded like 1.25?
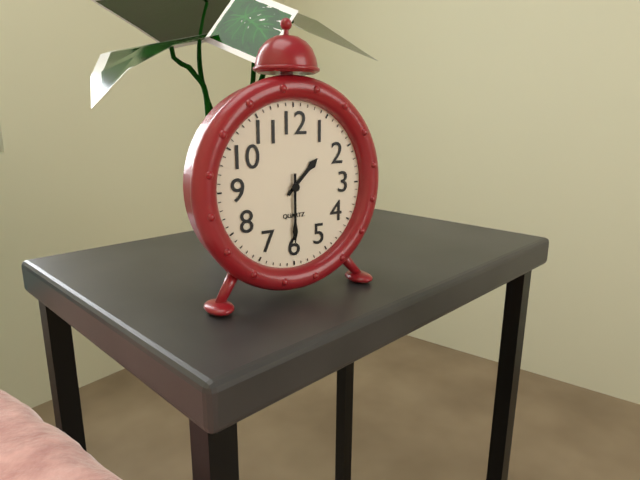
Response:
1.30
